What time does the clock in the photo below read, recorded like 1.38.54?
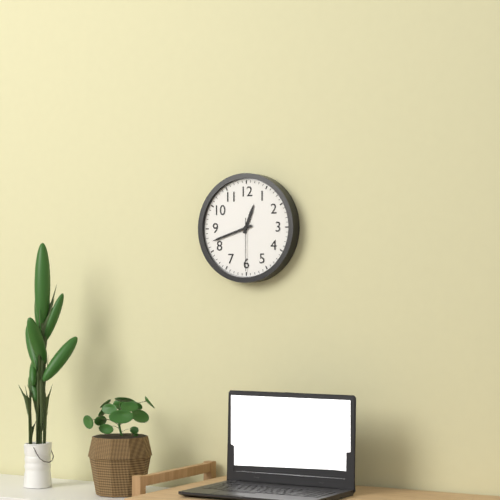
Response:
12.42.30
